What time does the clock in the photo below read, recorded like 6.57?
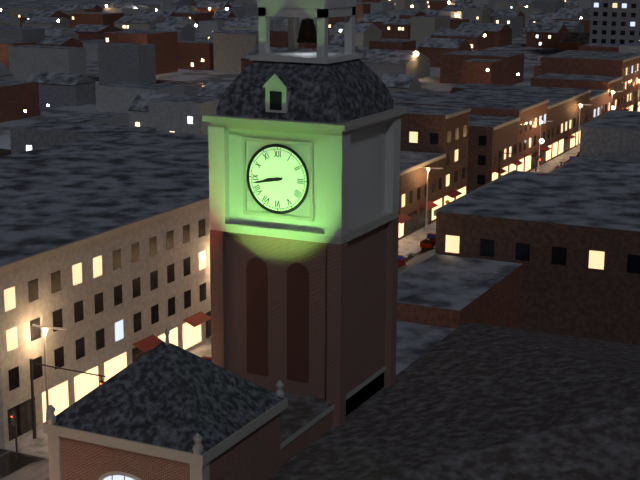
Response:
8.43
